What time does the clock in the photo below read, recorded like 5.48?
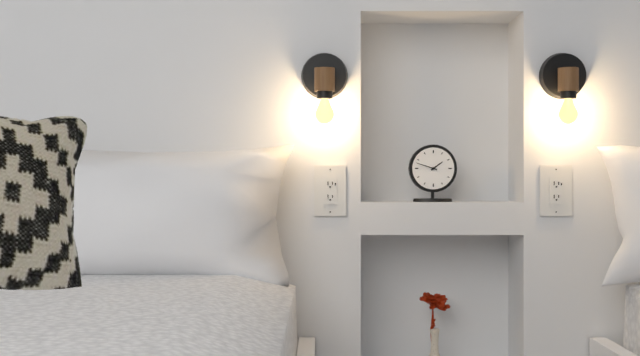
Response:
1.48
